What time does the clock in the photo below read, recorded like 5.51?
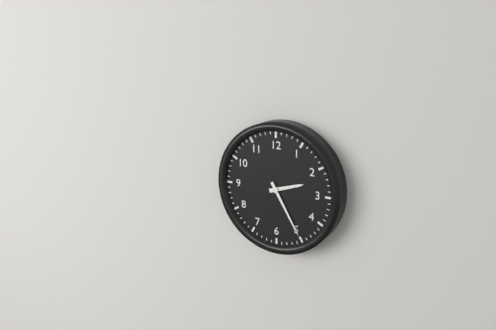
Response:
2.25
